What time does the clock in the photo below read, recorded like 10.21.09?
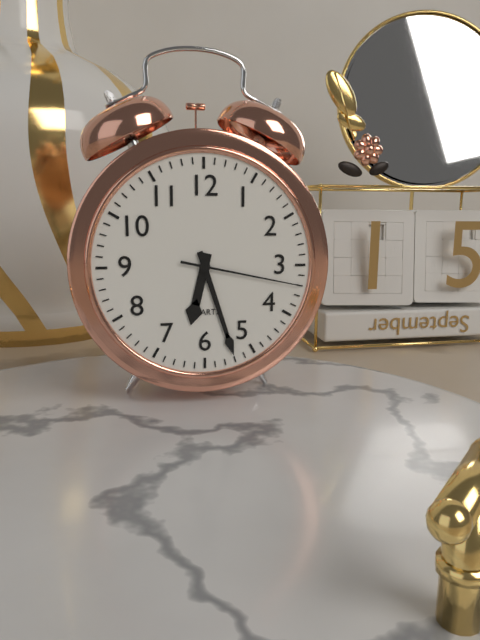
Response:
6.27.17
